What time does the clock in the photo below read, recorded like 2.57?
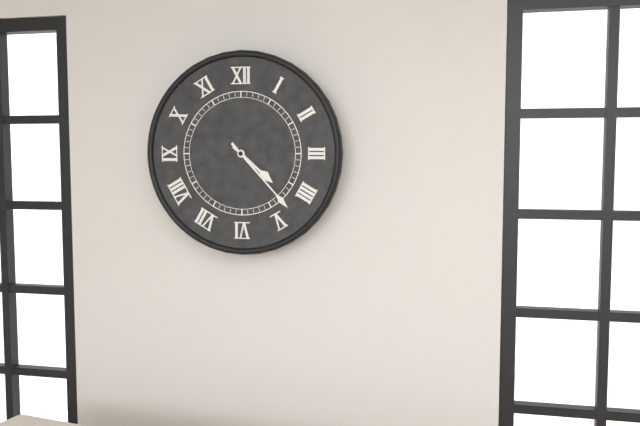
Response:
4.23
